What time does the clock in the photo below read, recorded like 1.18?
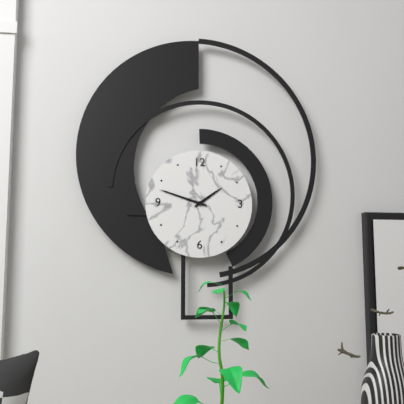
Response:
1.48
